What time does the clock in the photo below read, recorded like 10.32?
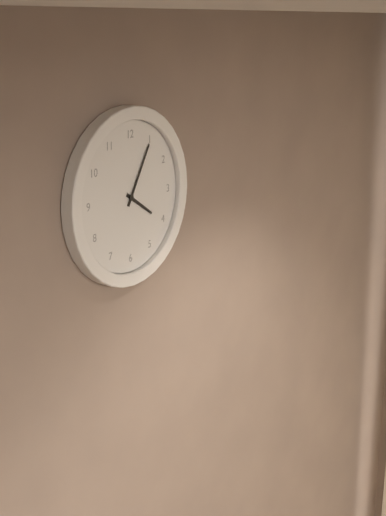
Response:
4.05
